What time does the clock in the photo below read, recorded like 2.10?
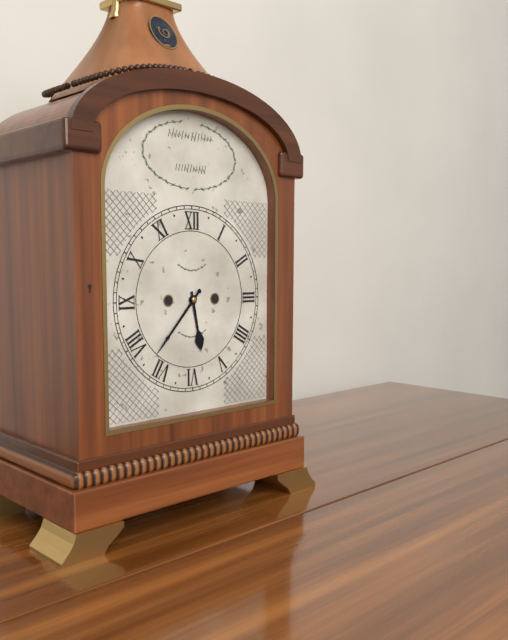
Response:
5.37
